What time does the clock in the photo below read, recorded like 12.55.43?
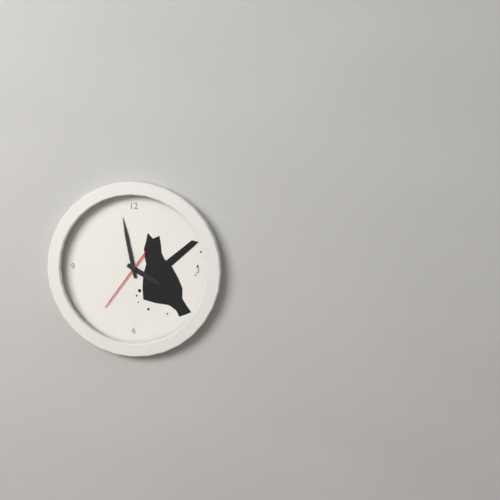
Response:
3.58.36
